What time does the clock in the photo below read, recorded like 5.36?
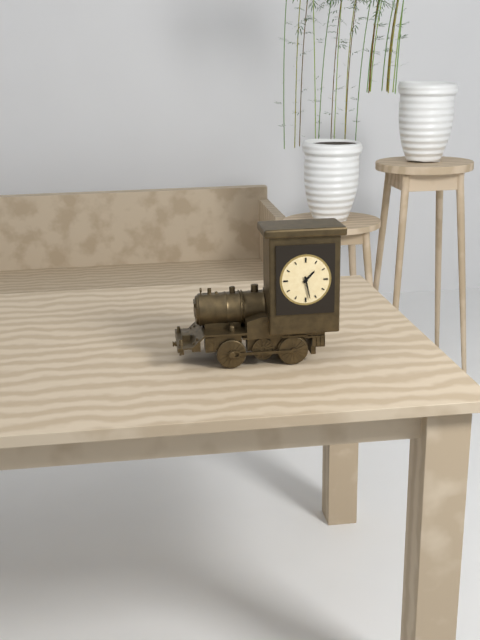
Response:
1.28
